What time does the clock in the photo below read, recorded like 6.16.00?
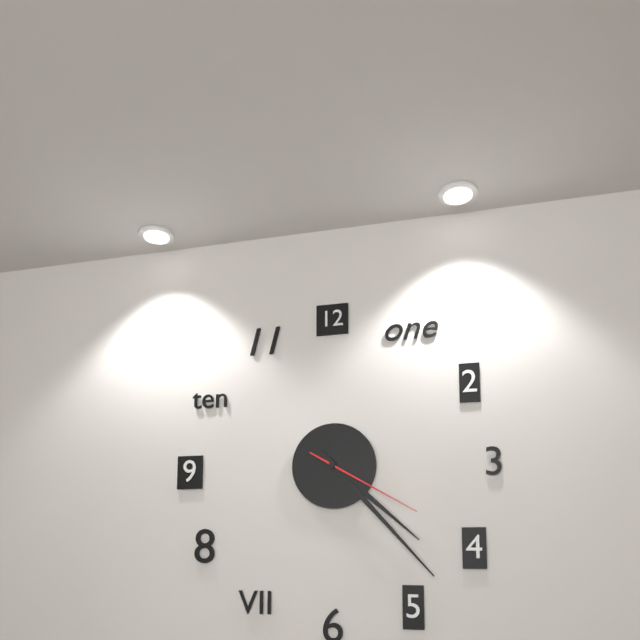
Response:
4.23.20
